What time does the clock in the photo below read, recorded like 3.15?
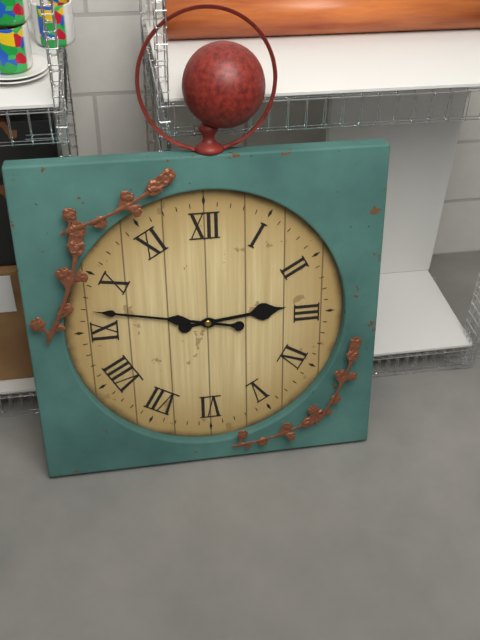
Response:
2.47
